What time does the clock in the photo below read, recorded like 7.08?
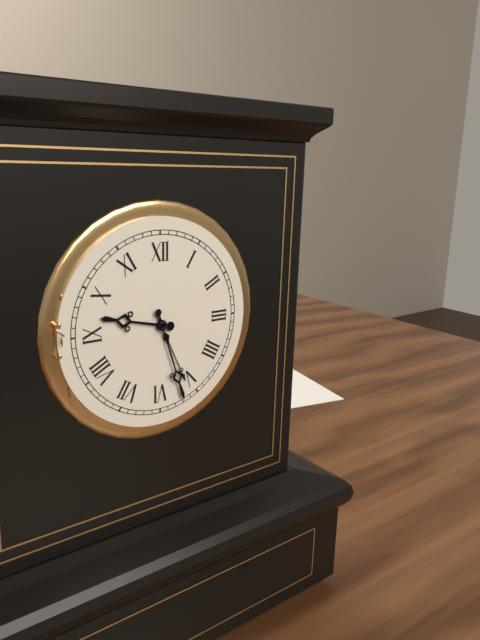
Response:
9.27
